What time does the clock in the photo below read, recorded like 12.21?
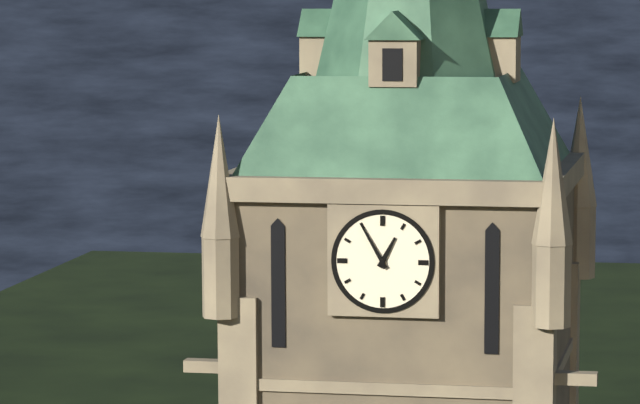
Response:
12.55
